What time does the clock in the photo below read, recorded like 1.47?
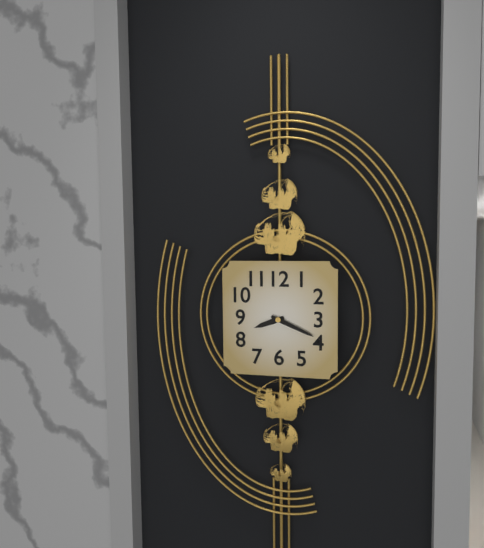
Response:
8.19
